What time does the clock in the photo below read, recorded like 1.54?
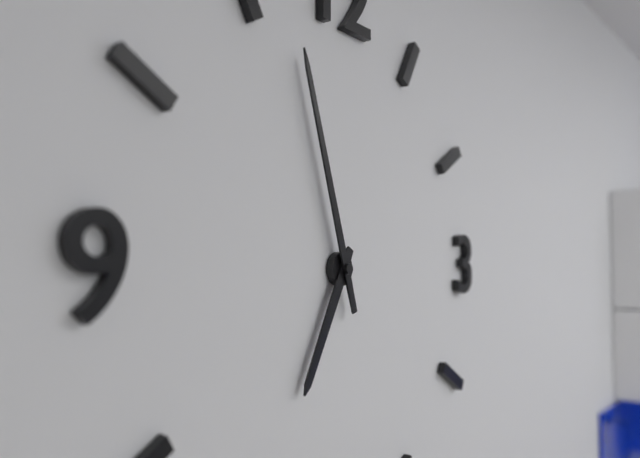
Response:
6.57
